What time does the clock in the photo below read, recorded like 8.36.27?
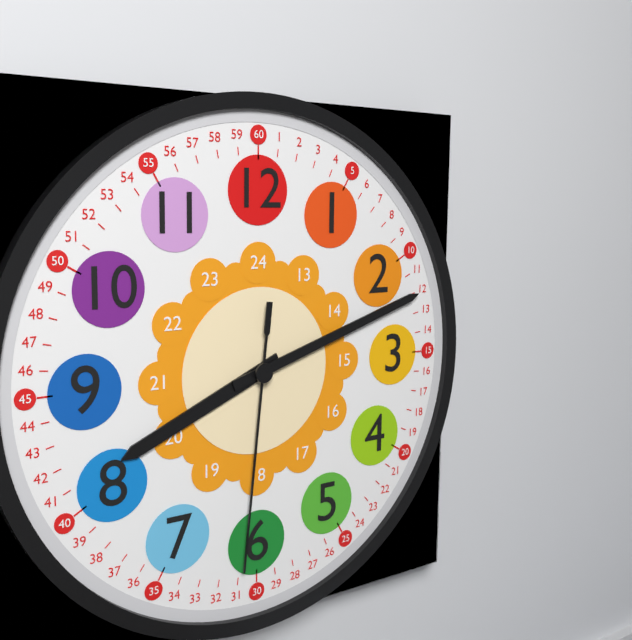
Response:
8.12.31
